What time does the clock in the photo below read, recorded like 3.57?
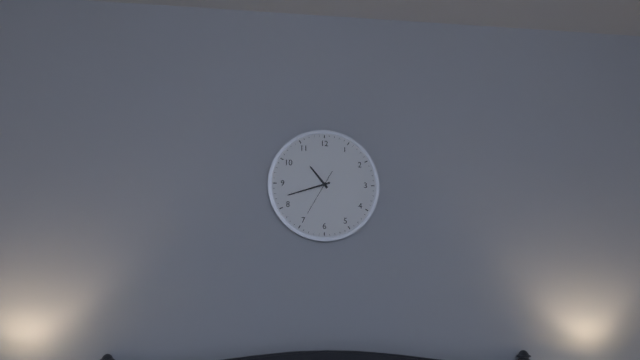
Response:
10.42
